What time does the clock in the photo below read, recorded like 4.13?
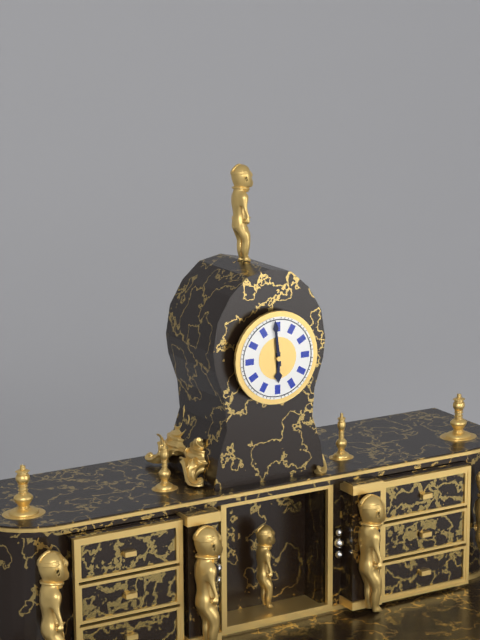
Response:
5.59
